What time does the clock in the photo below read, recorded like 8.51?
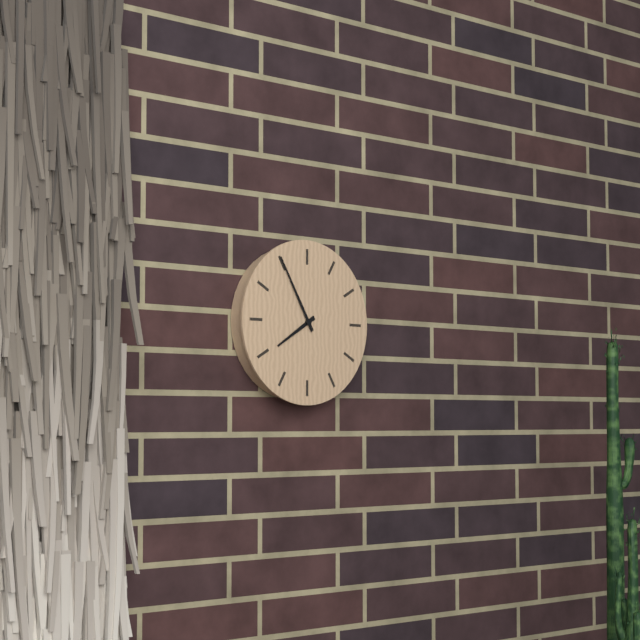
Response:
7.55
